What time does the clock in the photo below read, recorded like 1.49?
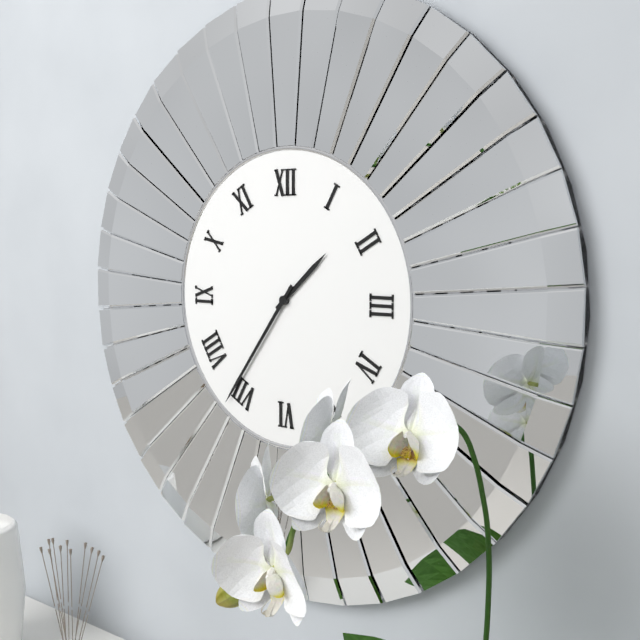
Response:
1.36
